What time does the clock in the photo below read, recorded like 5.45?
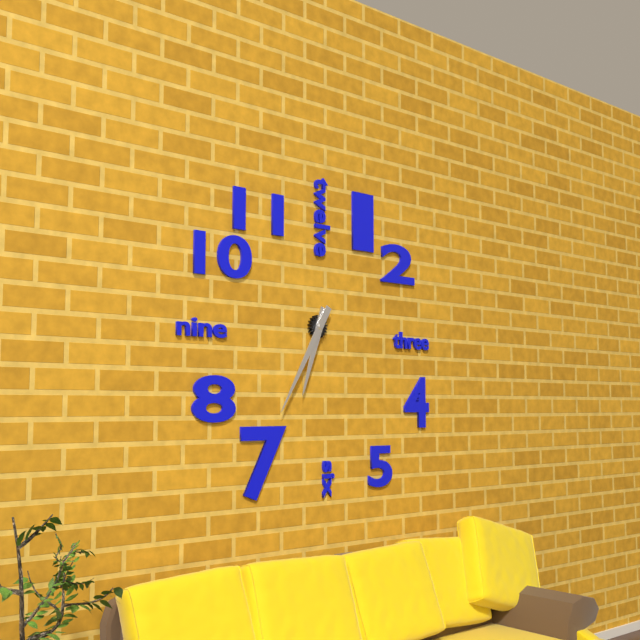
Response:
6.35
